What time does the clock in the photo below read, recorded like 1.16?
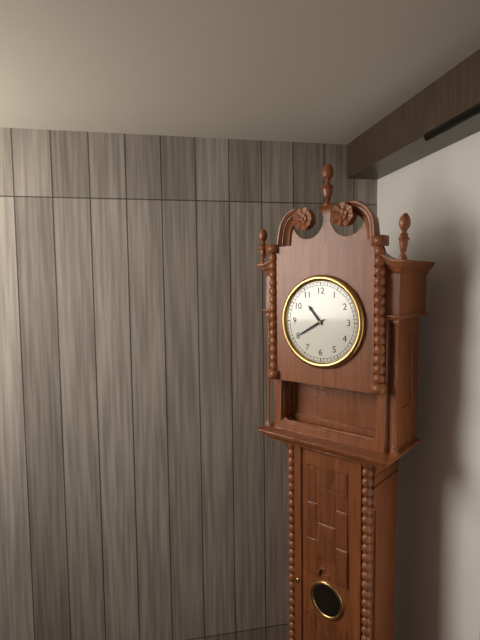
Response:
10.40
